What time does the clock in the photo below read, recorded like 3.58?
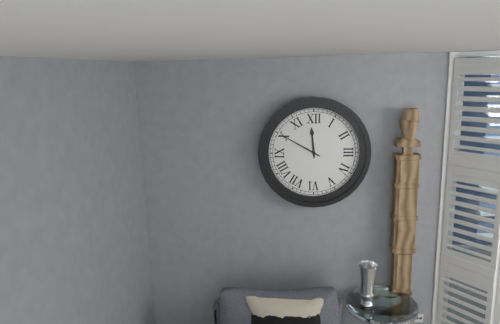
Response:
11.50
